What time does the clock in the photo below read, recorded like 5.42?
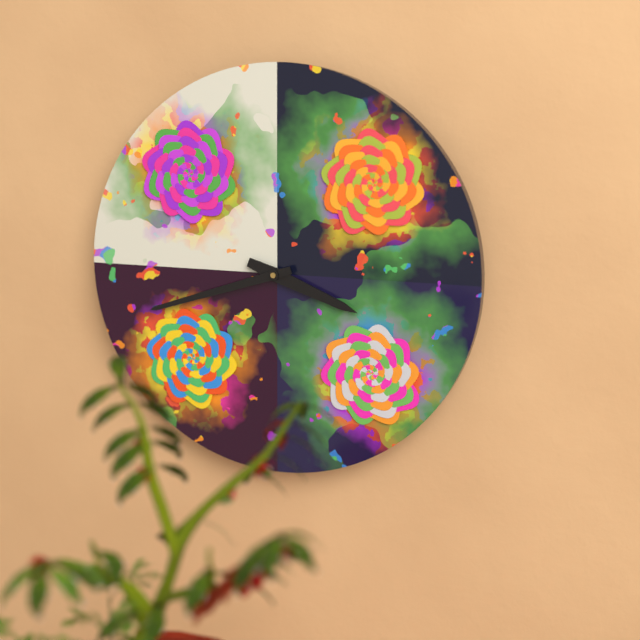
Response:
3.42
